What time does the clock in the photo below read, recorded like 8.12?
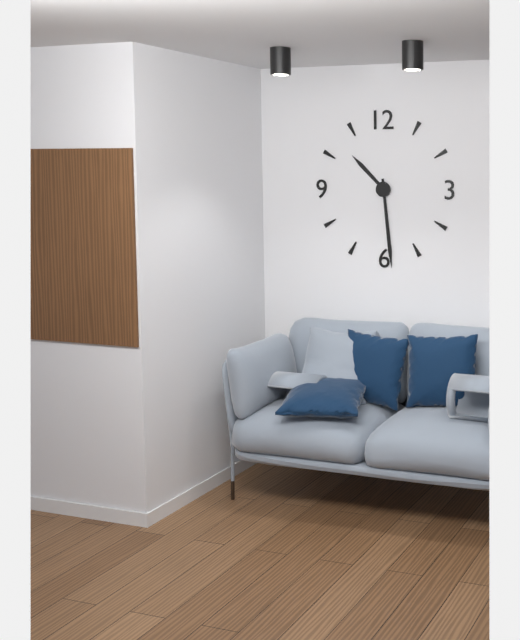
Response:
10.29
